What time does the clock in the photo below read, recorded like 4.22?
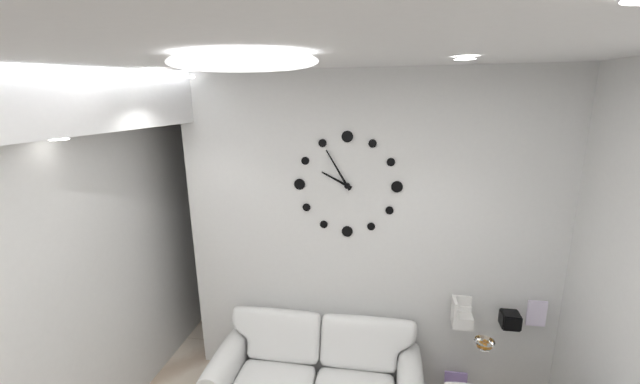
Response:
9.55
